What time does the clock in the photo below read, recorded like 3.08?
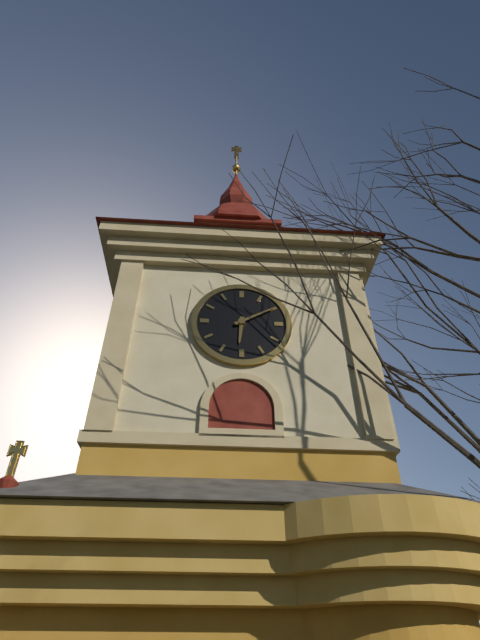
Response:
6.10
